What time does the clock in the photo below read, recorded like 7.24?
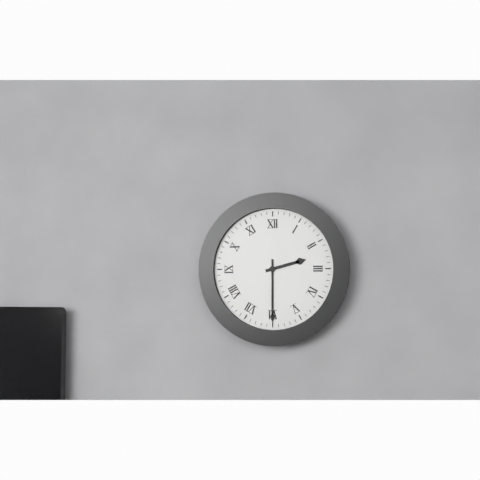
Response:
2.30
